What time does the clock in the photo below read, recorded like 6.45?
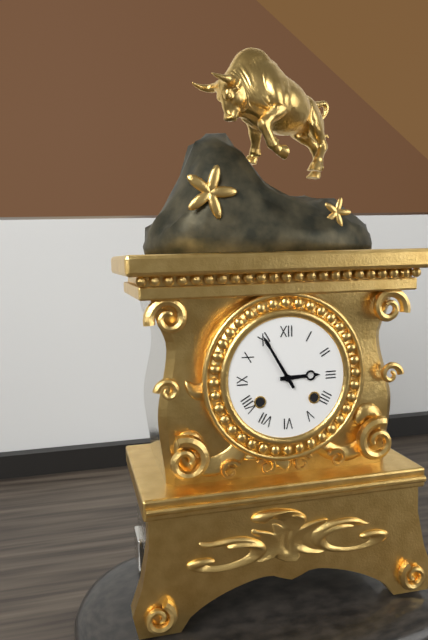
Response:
2.55
